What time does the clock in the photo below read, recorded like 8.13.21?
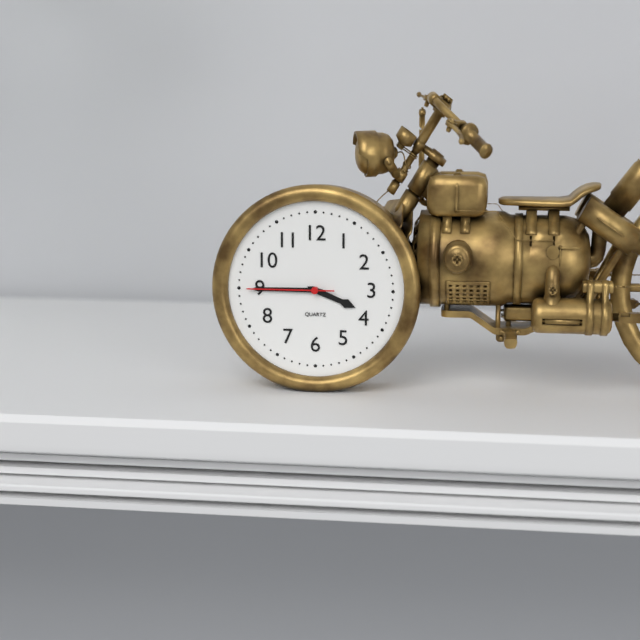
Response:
3.45.45
